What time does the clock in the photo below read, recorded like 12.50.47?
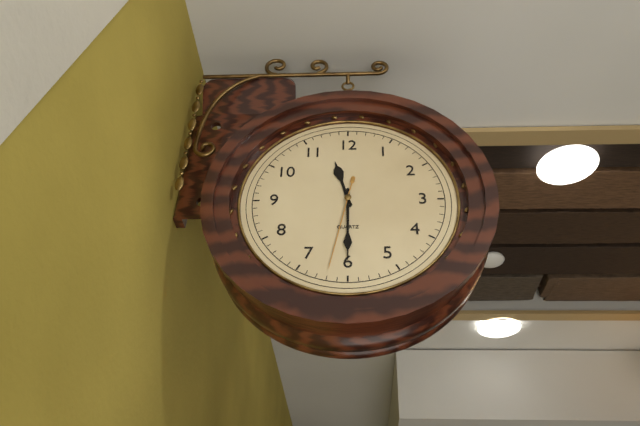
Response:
11.30.32
